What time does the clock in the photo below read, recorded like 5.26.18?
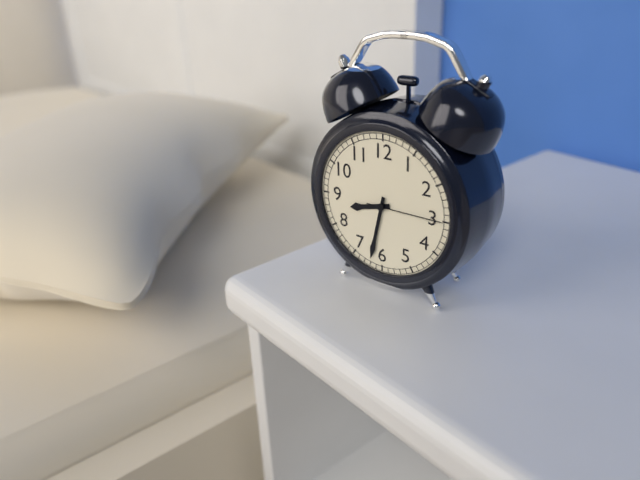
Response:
8.32.15
